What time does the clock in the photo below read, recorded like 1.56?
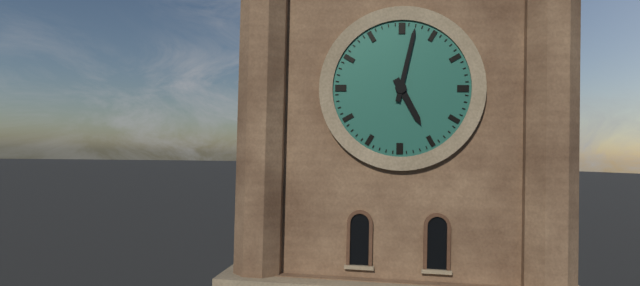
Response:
5.02
